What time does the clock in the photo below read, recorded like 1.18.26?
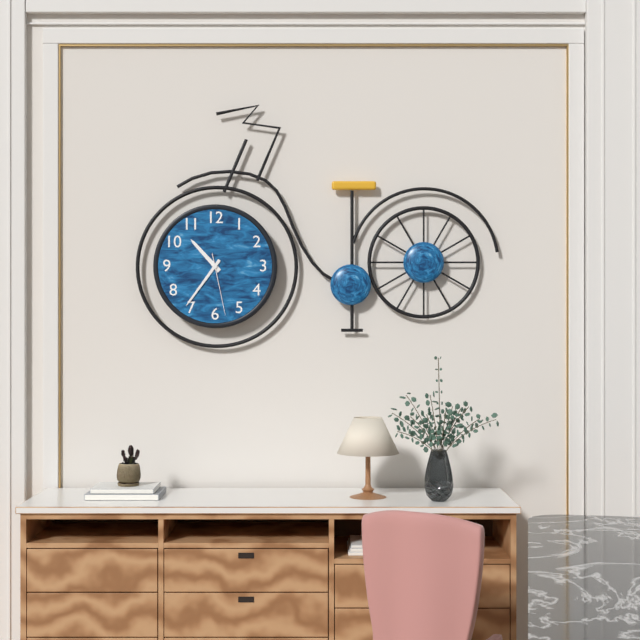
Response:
10.36.28
